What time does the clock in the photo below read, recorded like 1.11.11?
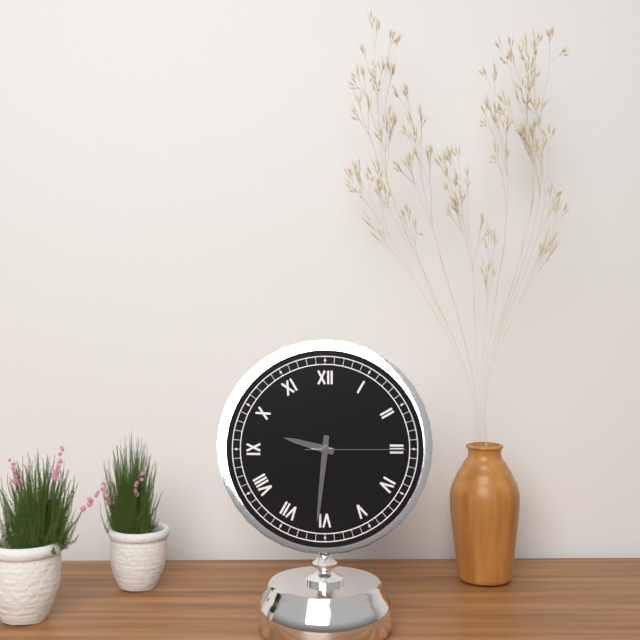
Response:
9.31.15
